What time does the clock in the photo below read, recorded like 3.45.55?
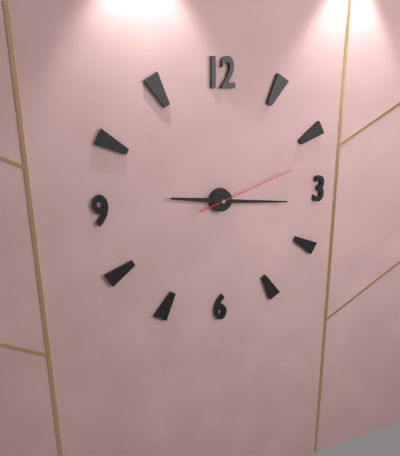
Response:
9.16.12
